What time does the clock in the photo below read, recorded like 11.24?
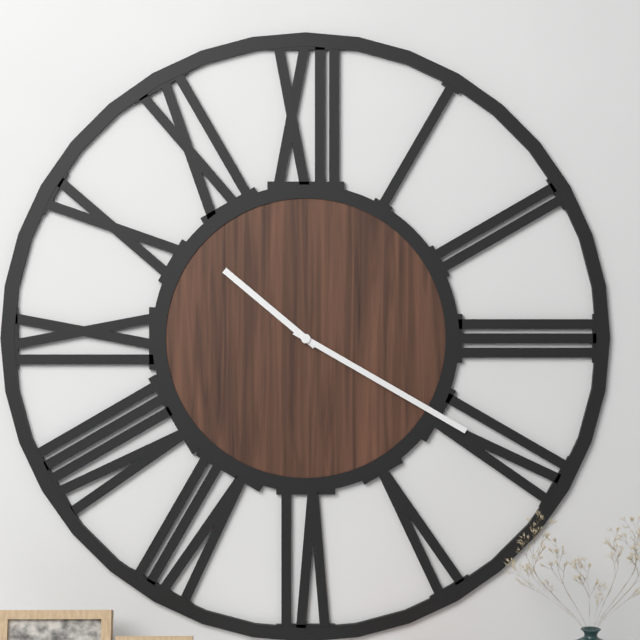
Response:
10.20
